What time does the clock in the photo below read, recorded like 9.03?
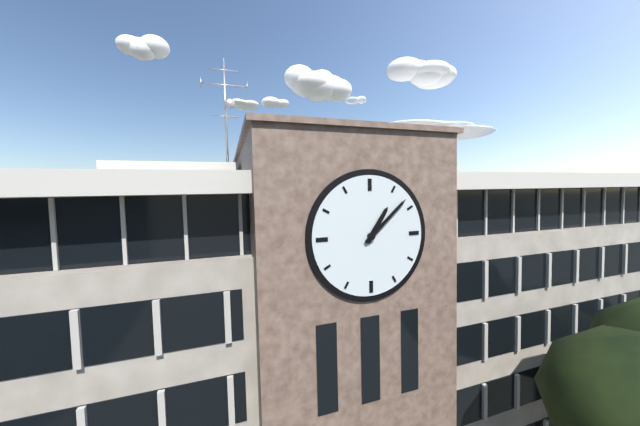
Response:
1.08
